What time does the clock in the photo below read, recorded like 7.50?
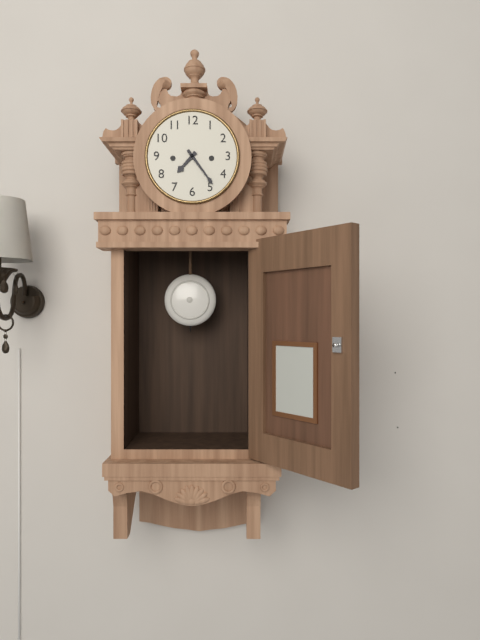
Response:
7.24
